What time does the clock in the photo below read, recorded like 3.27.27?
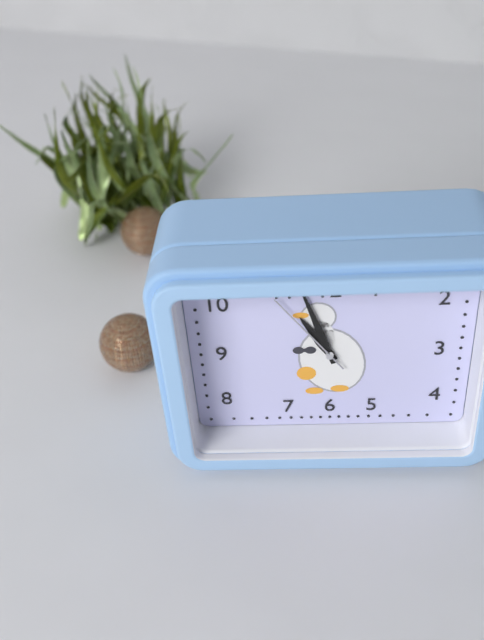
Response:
10.57.54
